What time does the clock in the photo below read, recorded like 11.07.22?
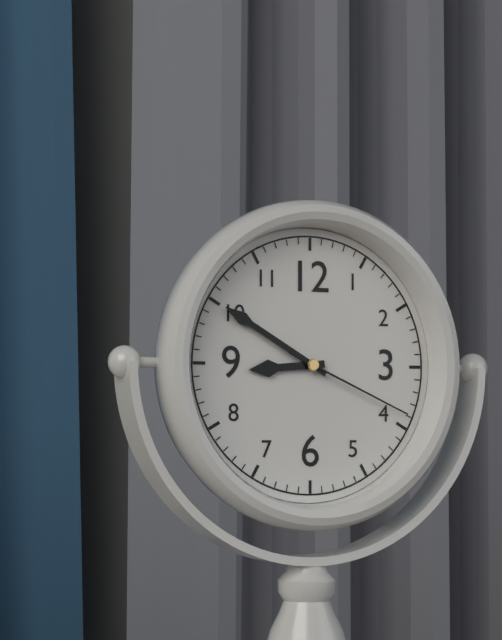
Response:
8.50.19
